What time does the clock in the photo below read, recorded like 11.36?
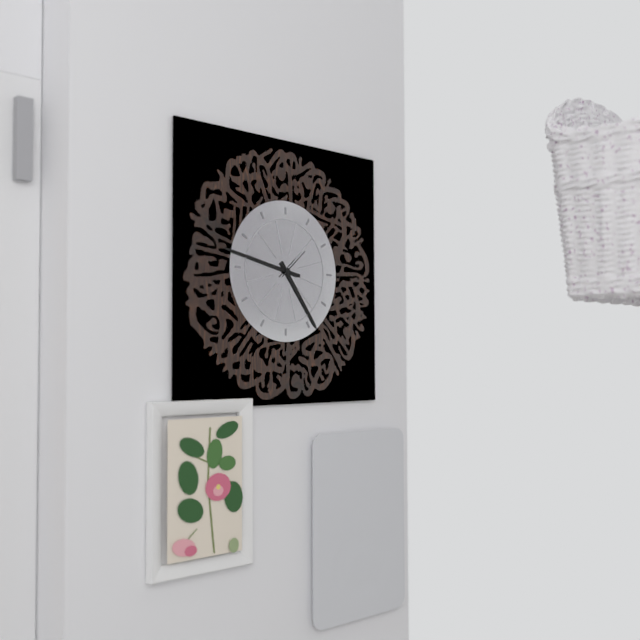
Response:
4.47
